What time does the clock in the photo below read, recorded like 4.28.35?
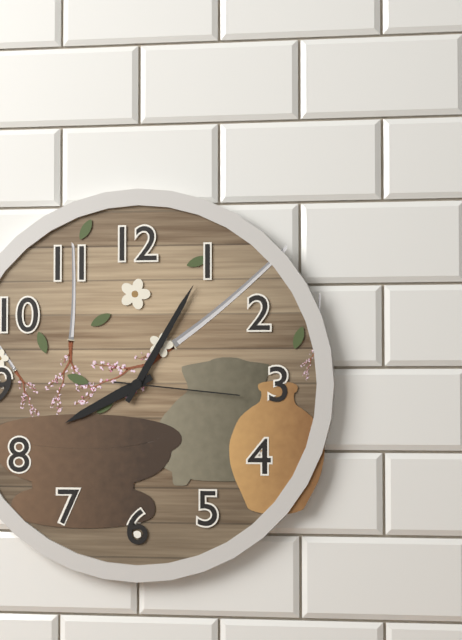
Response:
8.05.16
